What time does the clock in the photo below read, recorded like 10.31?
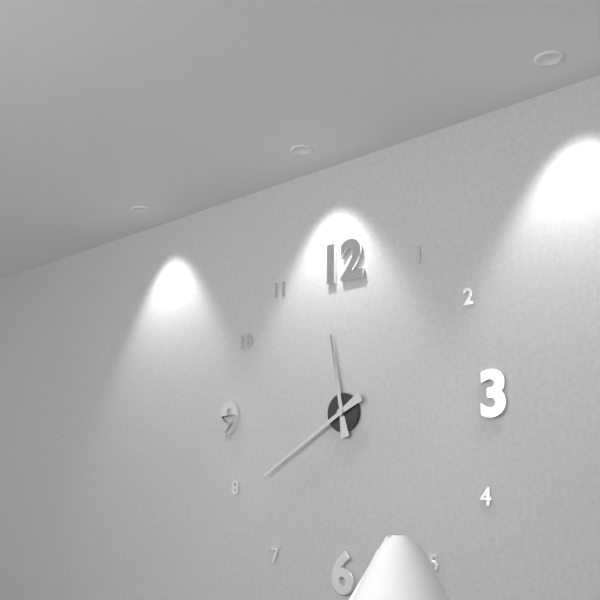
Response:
11.40
